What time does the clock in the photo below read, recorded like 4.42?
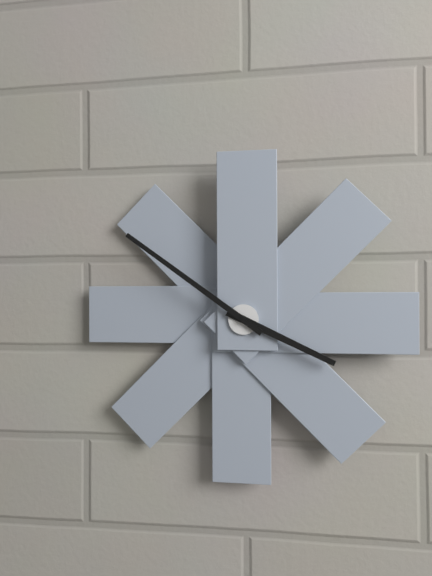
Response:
3.51
